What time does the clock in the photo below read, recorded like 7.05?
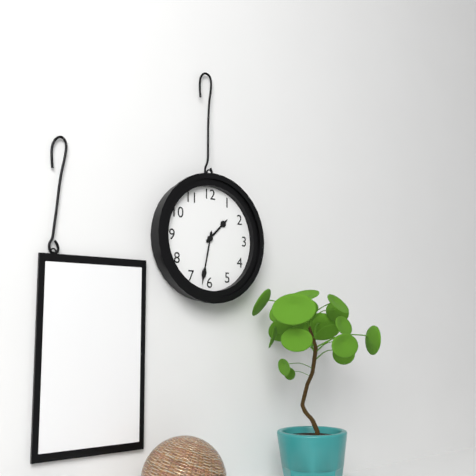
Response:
1.32
